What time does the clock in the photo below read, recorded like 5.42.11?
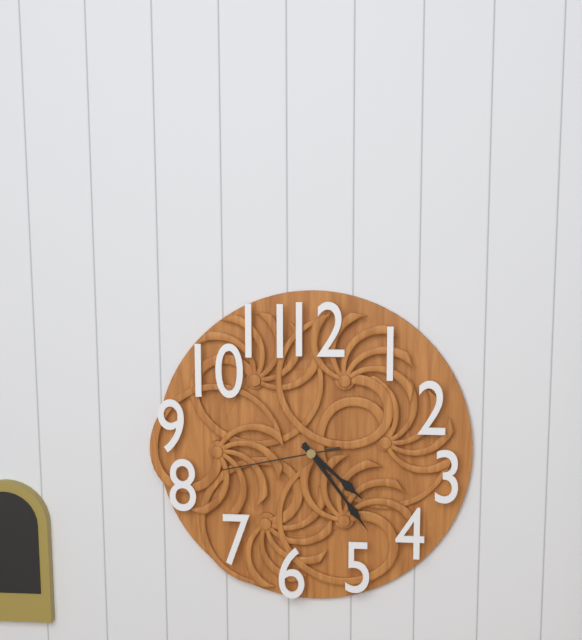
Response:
4.24.43
